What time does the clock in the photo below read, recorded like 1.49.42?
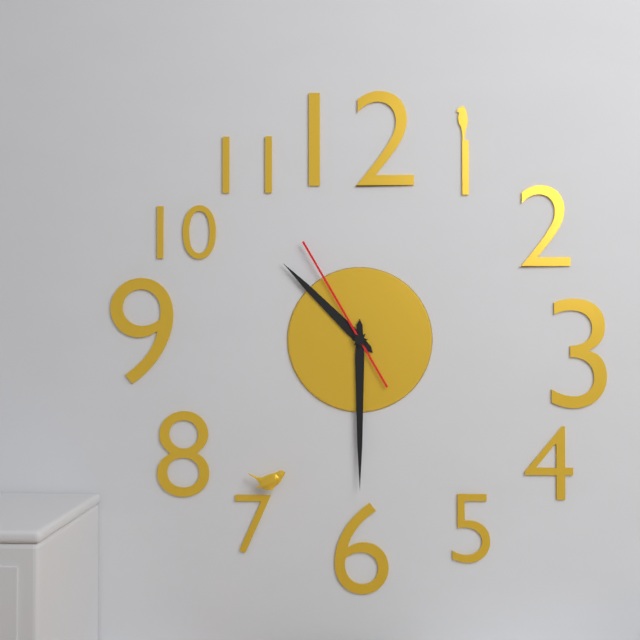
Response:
10.30.55
